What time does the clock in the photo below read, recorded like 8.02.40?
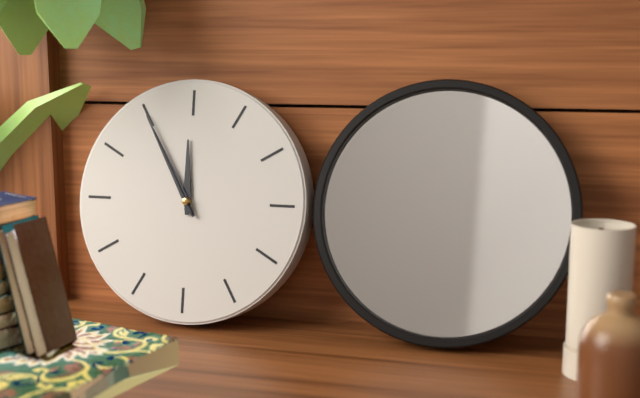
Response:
11.55.55
